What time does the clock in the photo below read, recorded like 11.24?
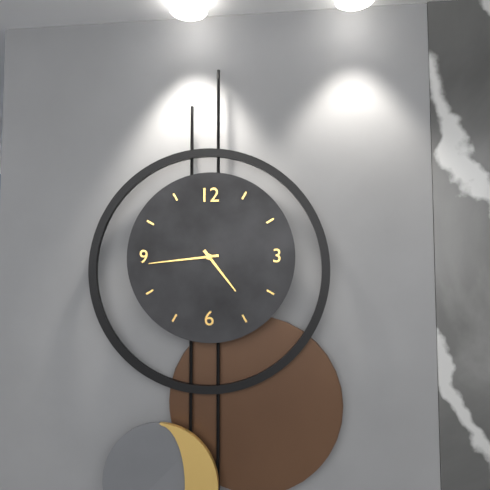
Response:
4.44
